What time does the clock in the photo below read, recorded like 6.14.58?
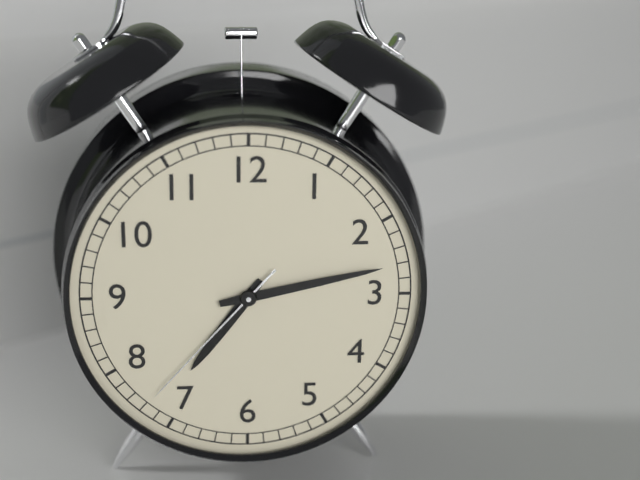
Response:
7.13.37
